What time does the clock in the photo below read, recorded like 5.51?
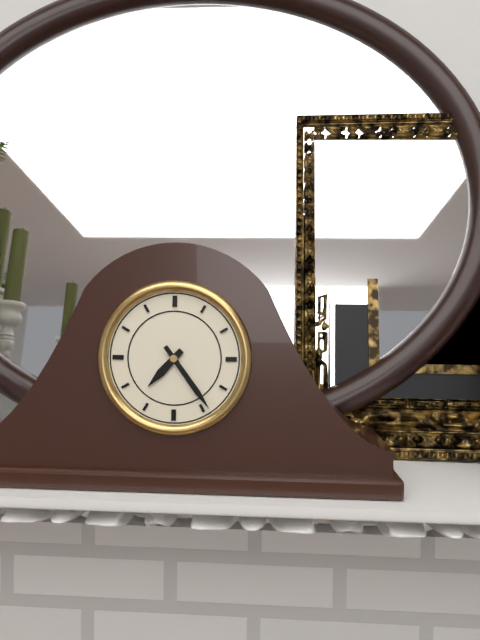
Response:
7.24
